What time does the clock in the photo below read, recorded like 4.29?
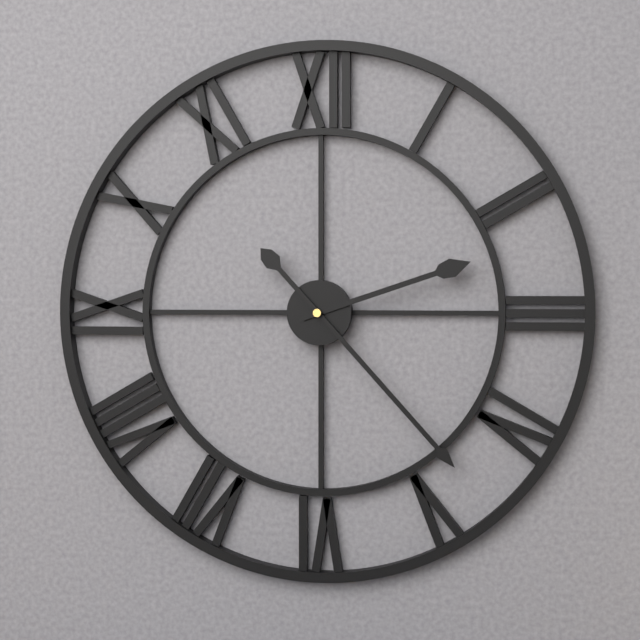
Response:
2.23
